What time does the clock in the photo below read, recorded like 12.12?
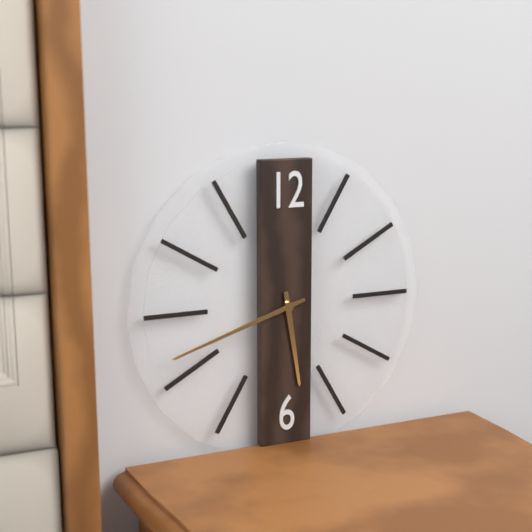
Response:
5.42
